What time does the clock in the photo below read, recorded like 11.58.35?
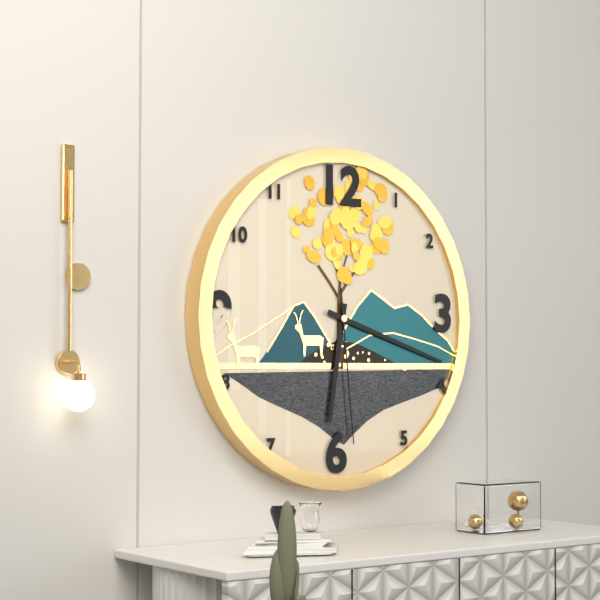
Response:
6.18.29
